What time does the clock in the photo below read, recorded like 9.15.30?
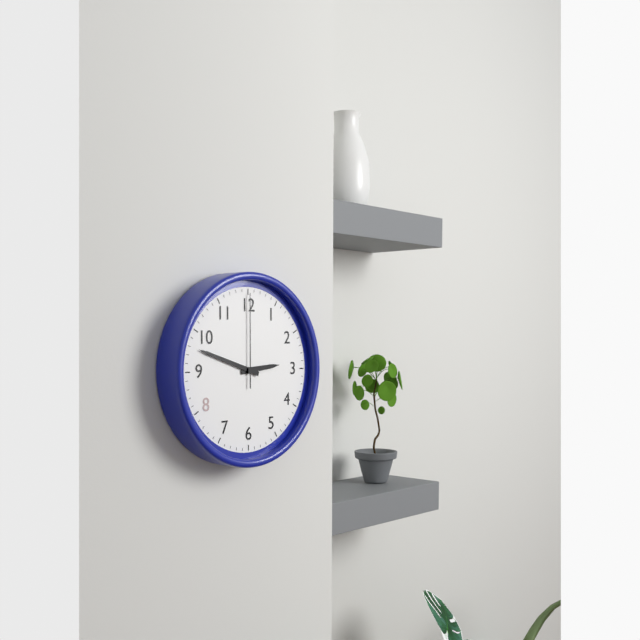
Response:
2.48.00
